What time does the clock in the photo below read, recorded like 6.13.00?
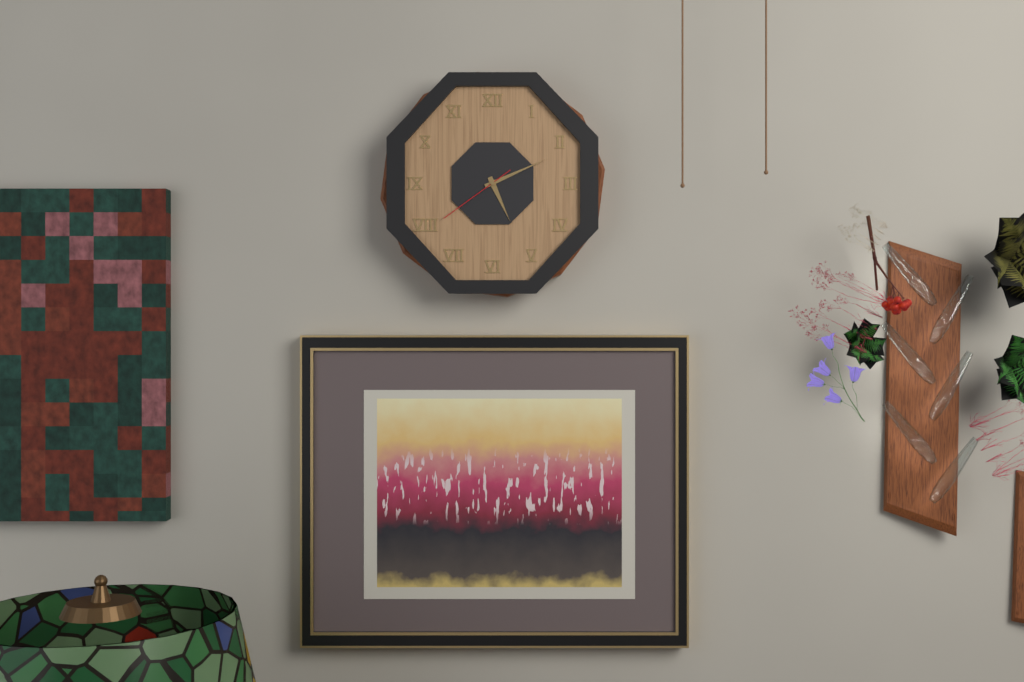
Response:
5.11.39
